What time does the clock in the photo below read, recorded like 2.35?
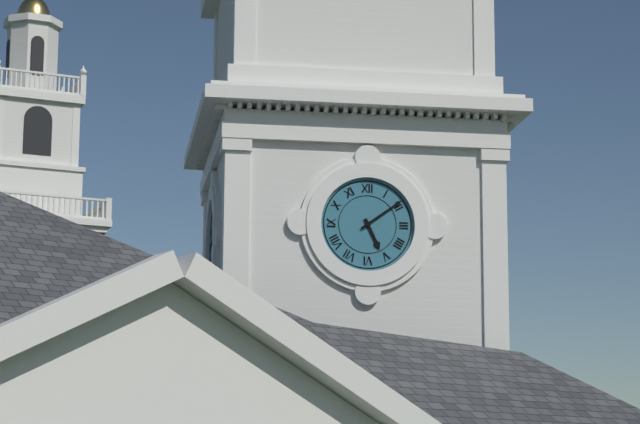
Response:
5.09
